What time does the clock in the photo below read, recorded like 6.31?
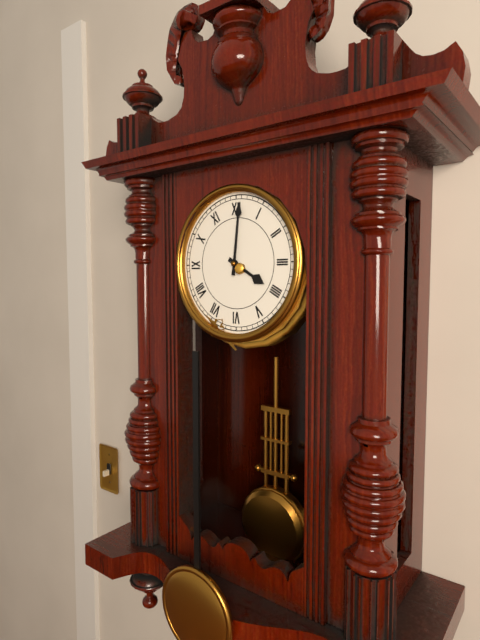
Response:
4.01
